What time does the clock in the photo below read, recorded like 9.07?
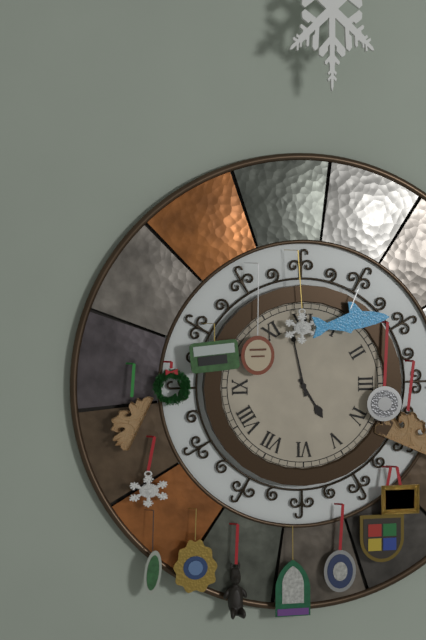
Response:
4.58
